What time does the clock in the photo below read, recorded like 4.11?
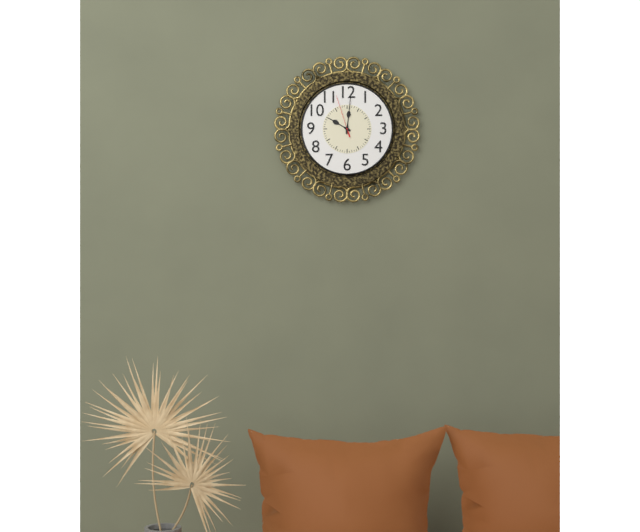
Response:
10.01
